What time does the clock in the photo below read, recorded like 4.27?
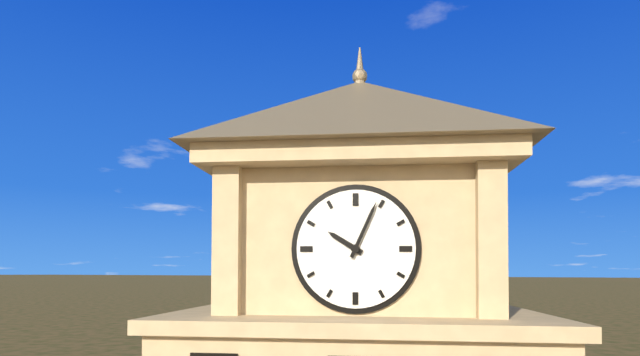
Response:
10.04
